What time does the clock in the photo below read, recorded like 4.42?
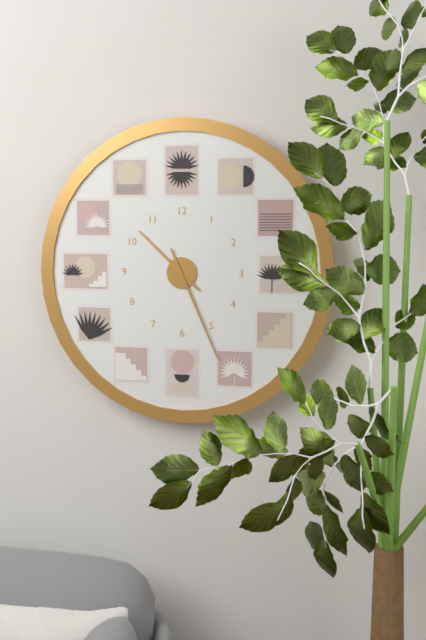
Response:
10.26
